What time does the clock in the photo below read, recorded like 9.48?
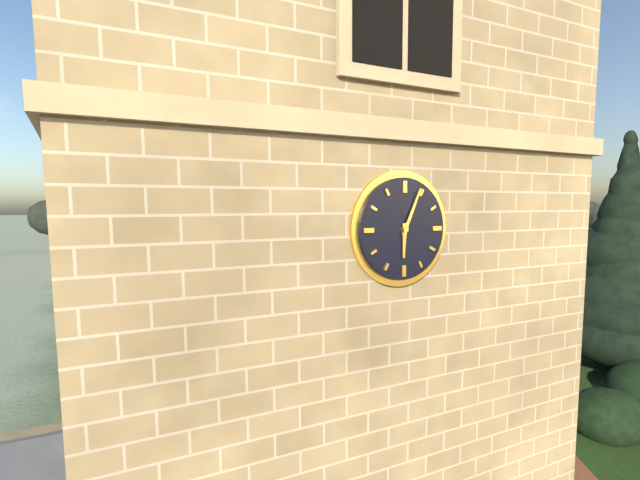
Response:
6.04
